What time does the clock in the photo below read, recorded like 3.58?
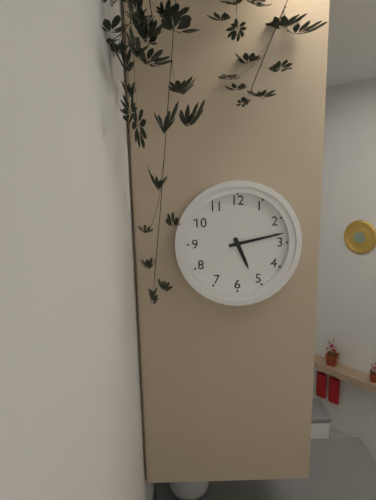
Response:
5.13
